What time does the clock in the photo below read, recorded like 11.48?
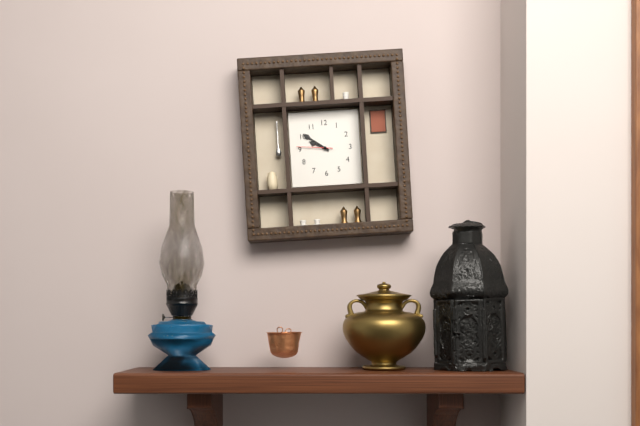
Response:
9.51
